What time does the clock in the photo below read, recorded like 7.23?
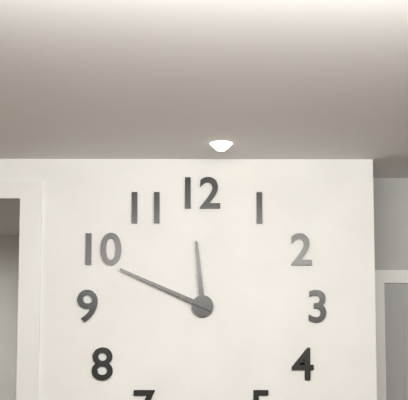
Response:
11.49
